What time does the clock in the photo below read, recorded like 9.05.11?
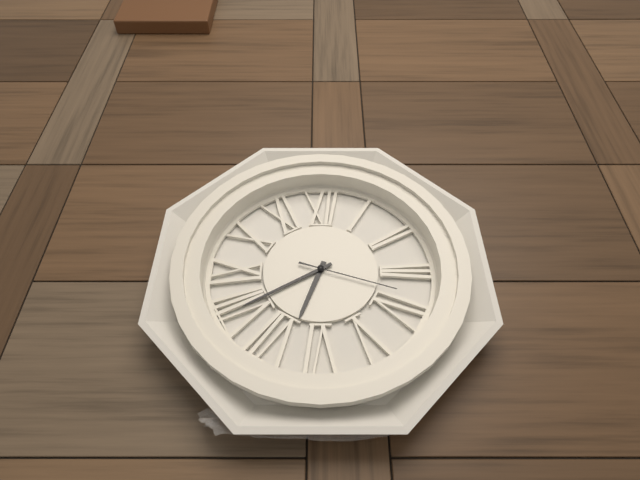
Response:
6.40.18
